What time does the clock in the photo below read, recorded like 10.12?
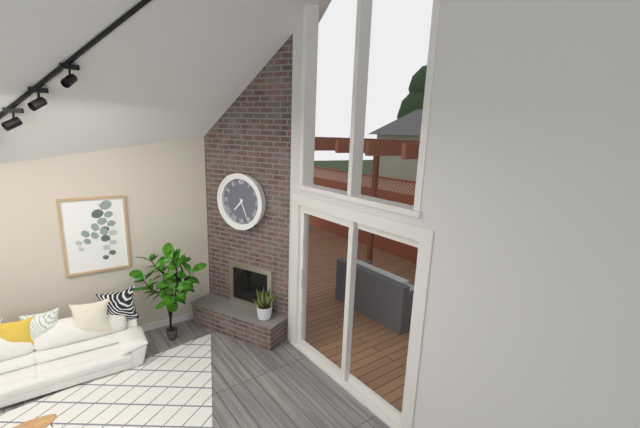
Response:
7.26
